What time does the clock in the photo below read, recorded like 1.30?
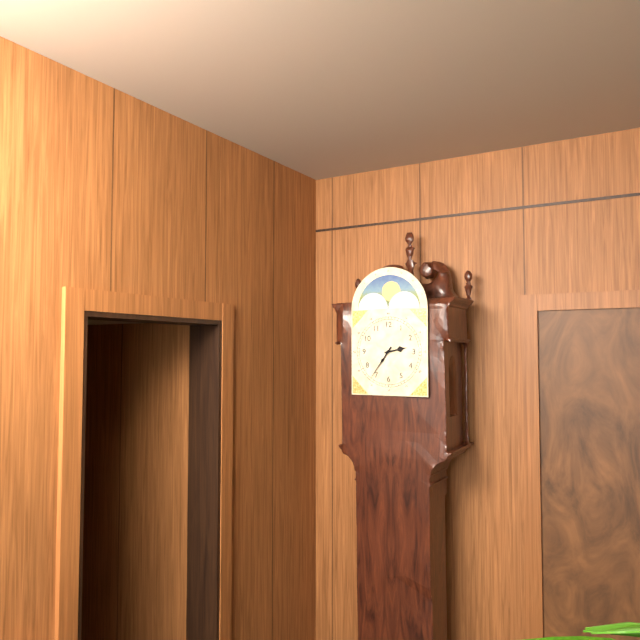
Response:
2.36
